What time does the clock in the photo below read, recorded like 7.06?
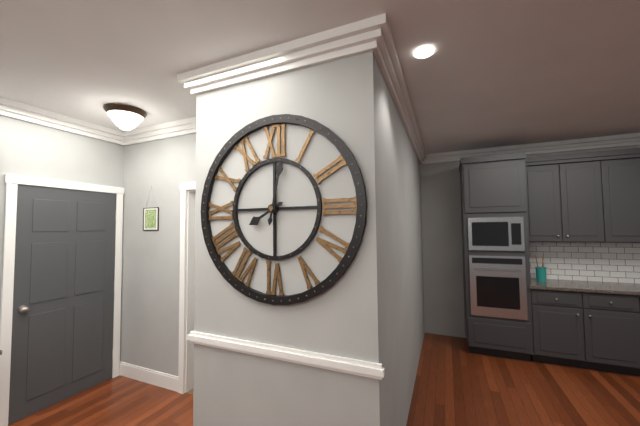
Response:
8.02
